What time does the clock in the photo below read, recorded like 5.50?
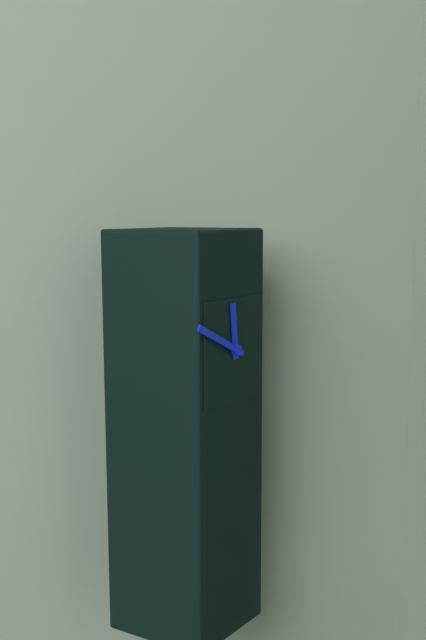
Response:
11.49
